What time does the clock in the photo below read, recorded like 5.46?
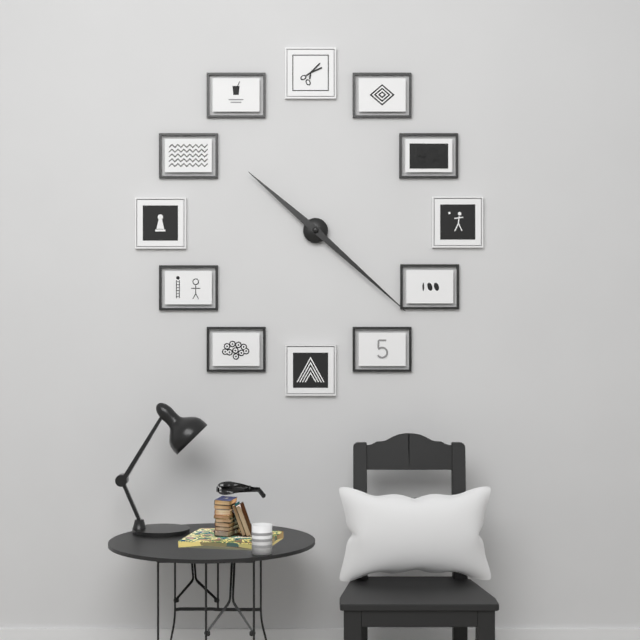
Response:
10.22
